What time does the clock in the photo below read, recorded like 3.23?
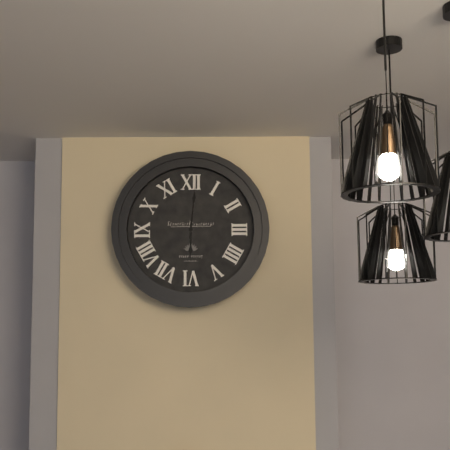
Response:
6.01
